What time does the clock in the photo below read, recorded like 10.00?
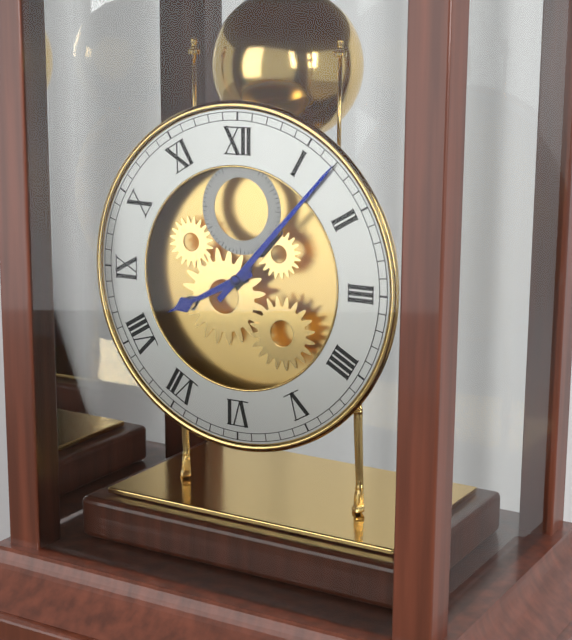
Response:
8.07
